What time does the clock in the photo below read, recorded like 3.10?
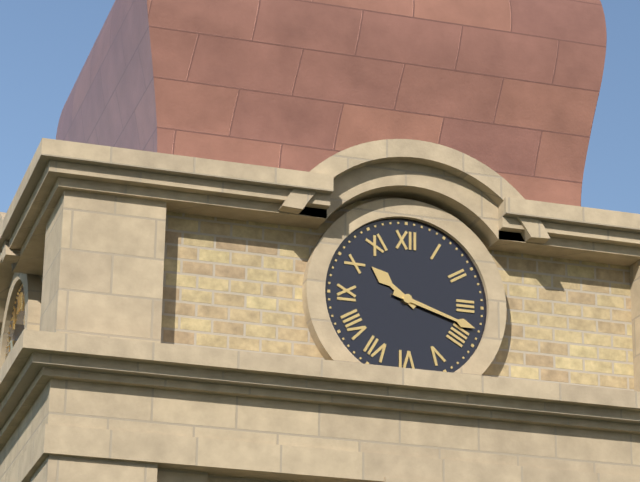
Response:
10.18
